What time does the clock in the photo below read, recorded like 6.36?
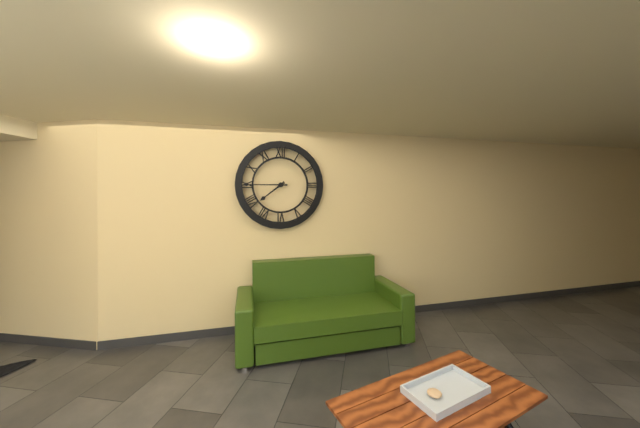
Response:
7.45
